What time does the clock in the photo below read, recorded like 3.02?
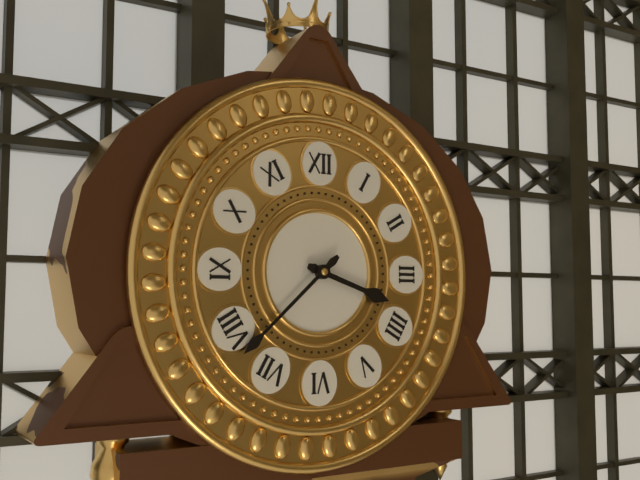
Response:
3.38
